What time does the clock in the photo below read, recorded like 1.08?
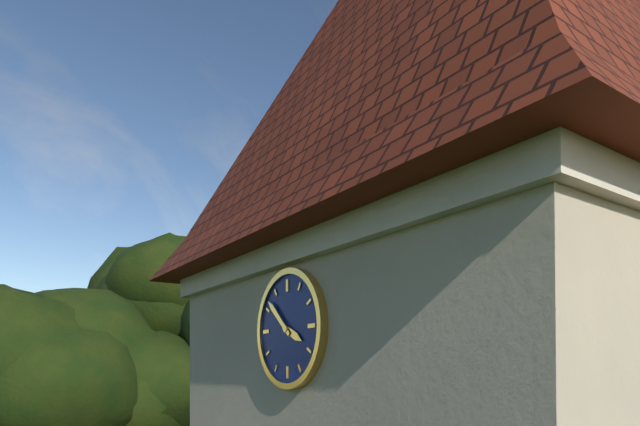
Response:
3.52
